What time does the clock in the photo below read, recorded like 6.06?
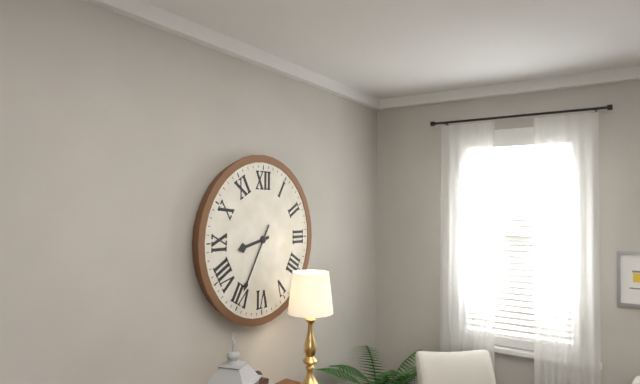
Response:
8.35
